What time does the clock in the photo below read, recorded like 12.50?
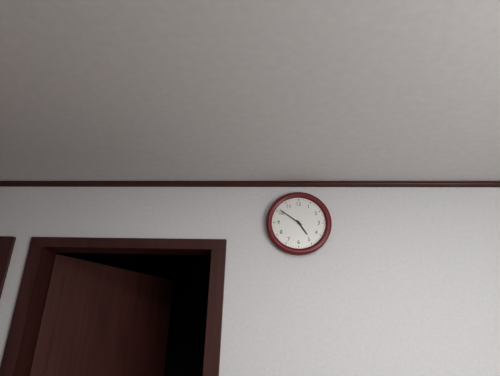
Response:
4.51
